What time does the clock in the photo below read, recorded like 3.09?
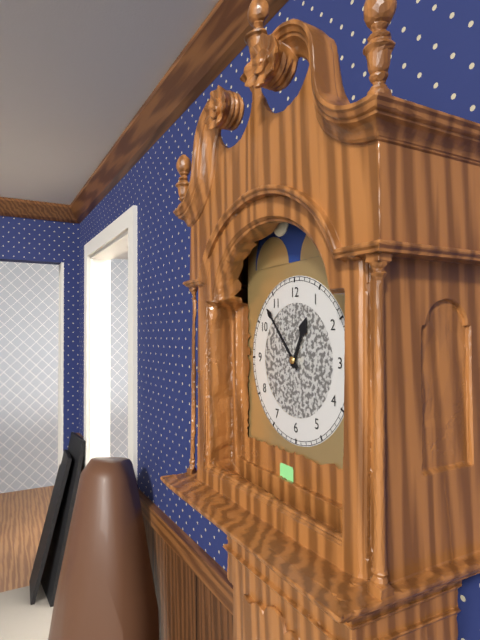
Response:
12.53
